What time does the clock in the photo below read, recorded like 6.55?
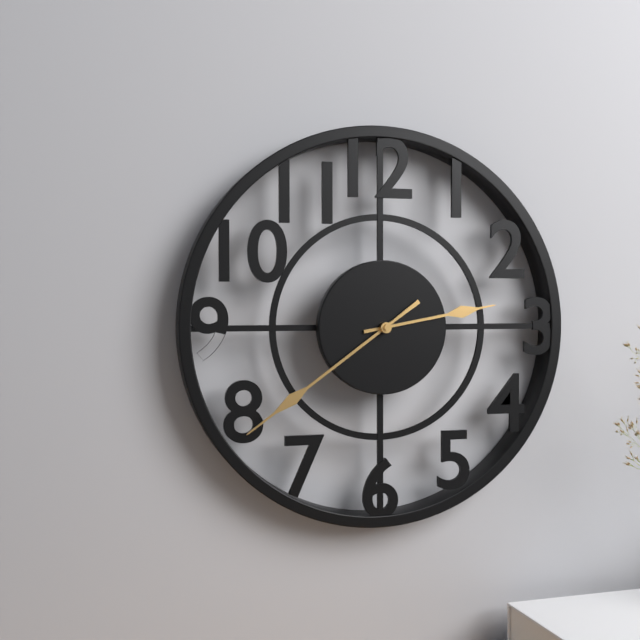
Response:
2.39
